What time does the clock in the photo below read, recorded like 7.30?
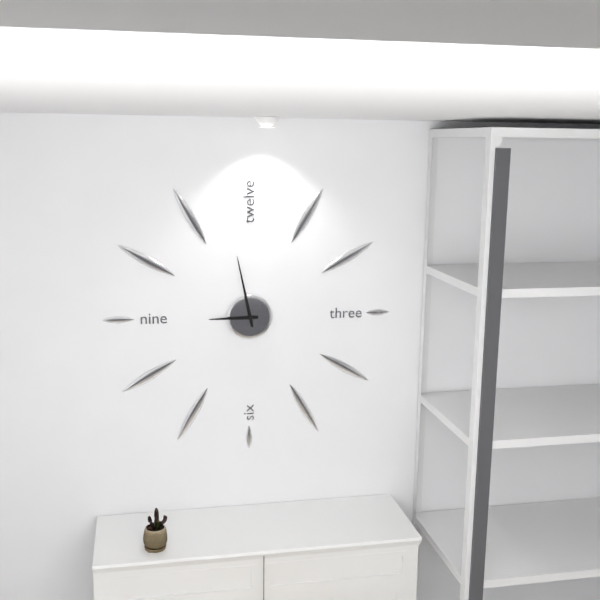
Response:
8.58
